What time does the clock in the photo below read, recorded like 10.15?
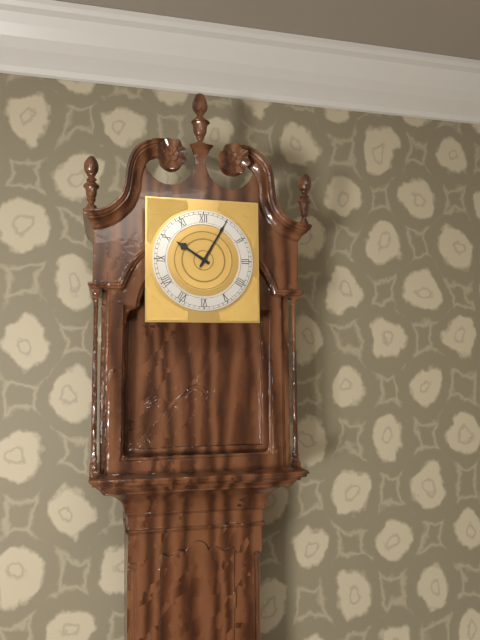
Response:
10.05
